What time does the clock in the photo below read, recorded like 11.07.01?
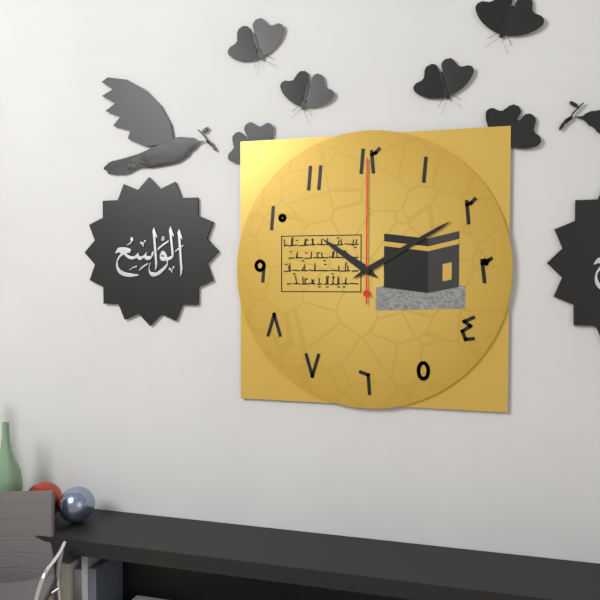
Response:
10.10.00
